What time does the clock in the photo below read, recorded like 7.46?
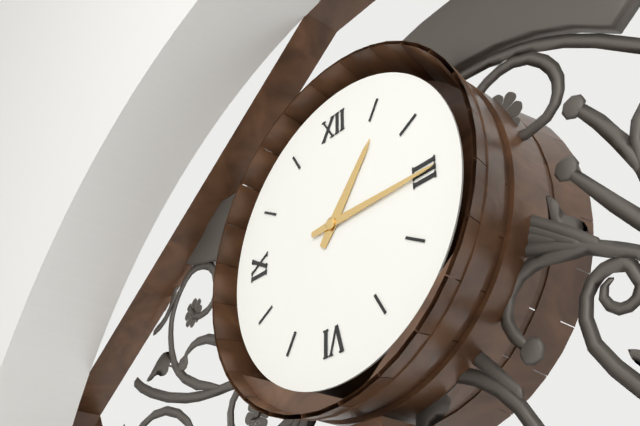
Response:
1.15
